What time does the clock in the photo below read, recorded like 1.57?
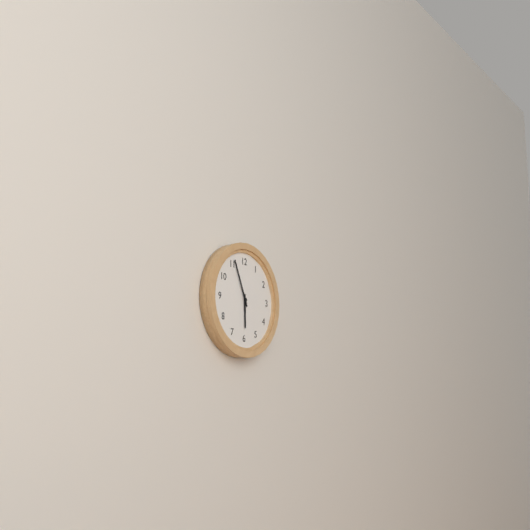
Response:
5.56
